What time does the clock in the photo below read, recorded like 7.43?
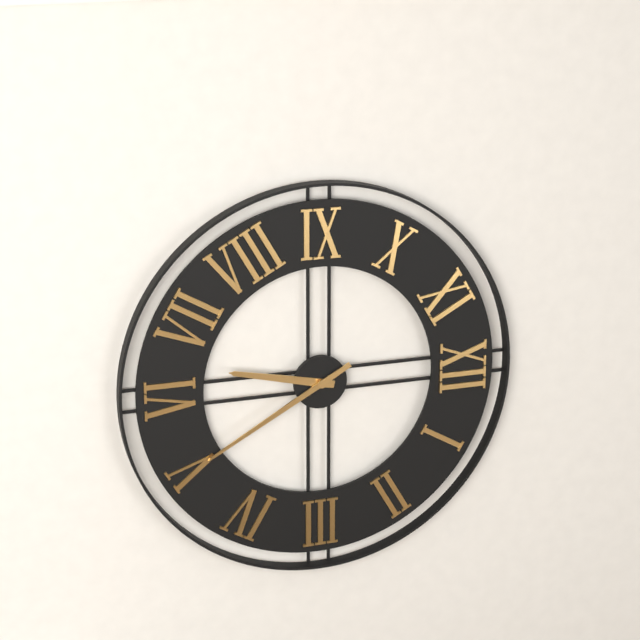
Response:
6.25
